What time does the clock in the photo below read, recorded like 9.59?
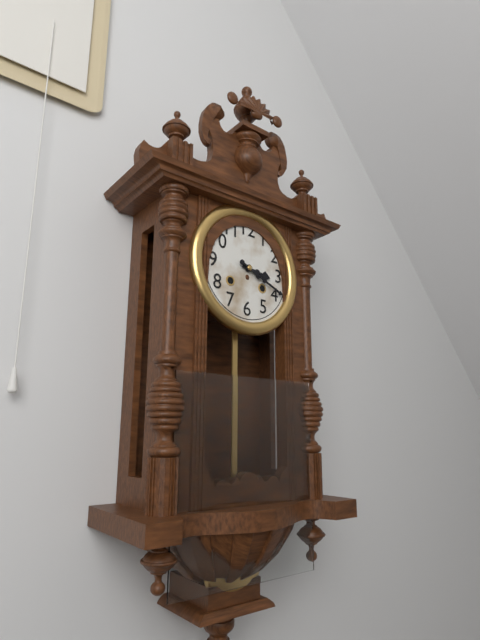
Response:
3.19
